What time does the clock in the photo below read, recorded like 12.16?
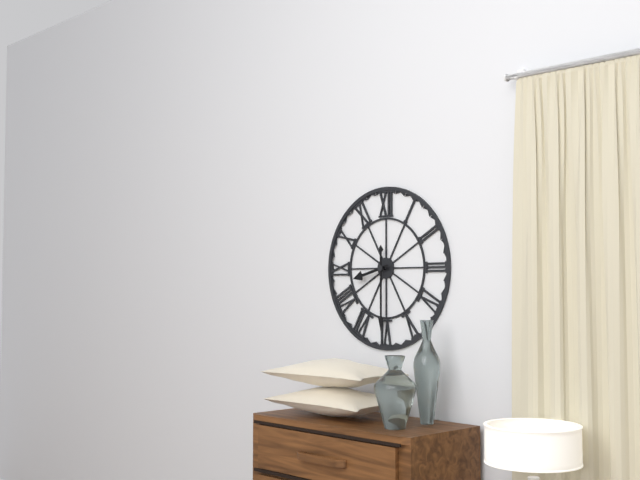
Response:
8.30
